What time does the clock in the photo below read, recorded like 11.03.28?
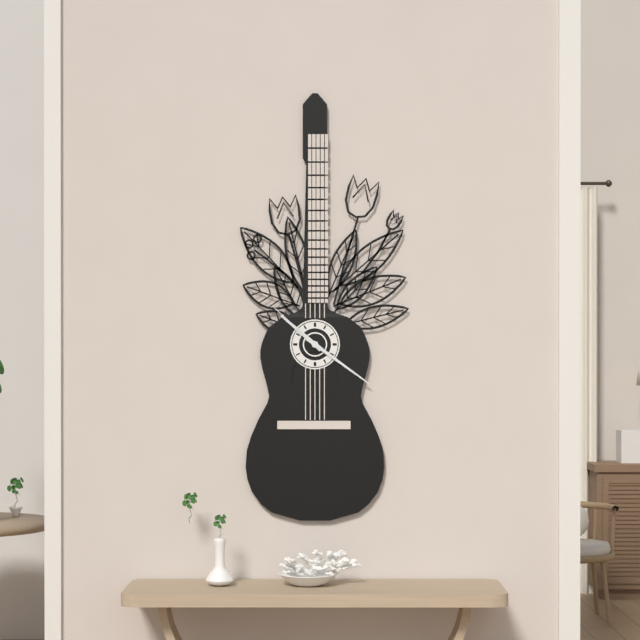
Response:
10.21.52
